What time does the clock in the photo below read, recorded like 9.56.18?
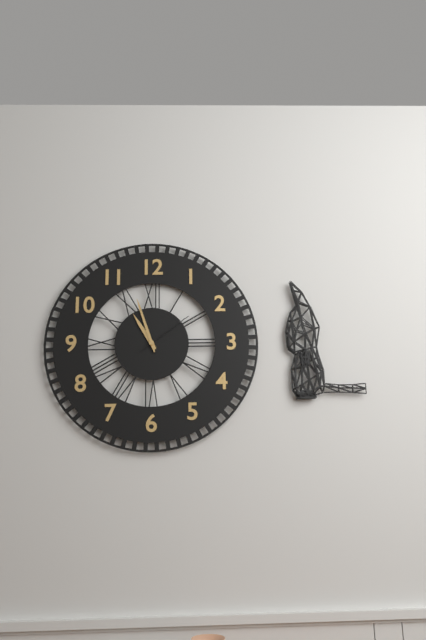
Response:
10.57.09
